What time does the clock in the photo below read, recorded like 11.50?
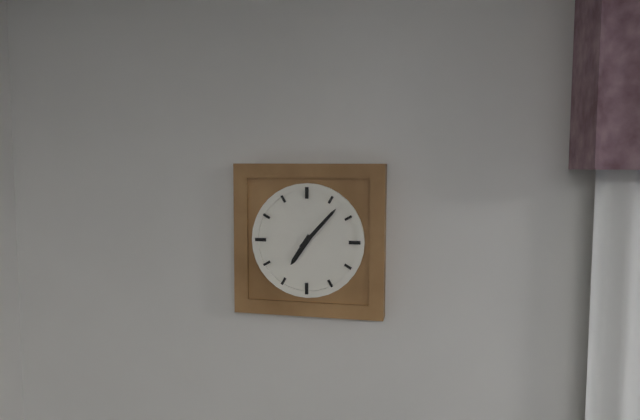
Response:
7.07
